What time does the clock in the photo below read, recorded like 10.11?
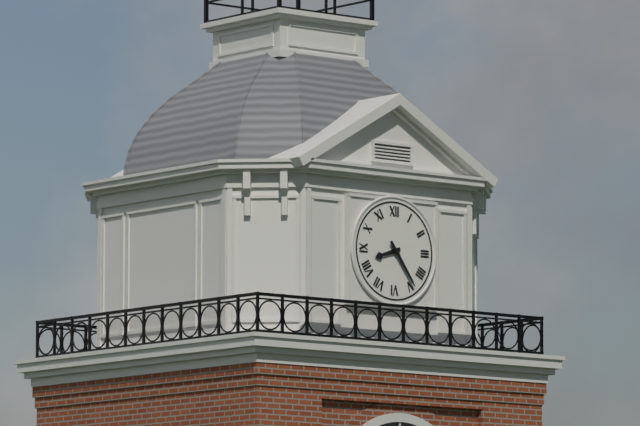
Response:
8.24
